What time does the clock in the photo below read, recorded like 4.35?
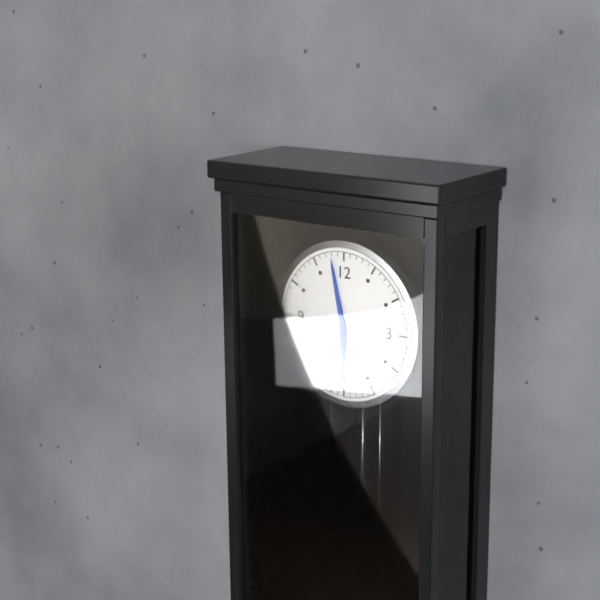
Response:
5.58
